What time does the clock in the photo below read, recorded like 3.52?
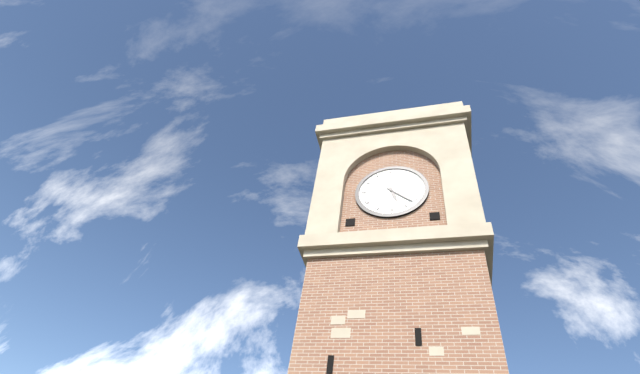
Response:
5.22
